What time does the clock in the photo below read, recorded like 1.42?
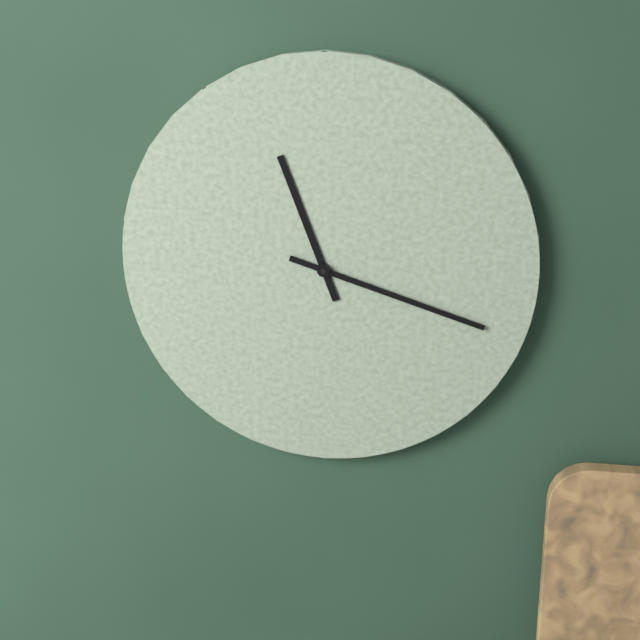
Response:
11.18
